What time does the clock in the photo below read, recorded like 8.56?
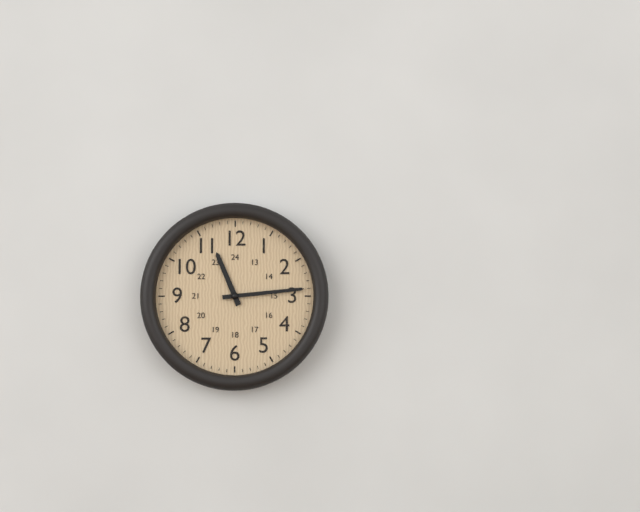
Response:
11.14
